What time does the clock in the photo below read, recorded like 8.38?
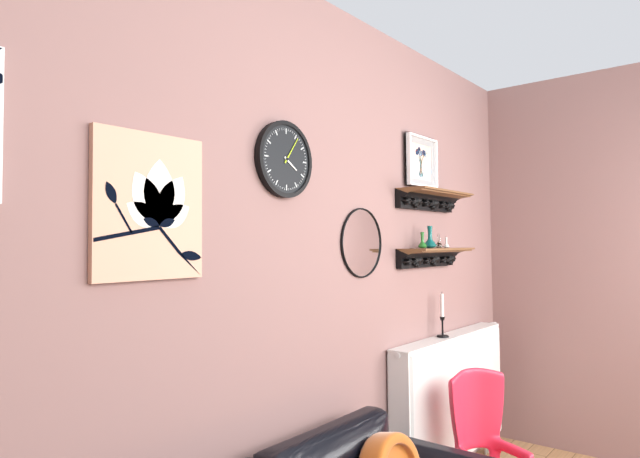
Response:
4.06
